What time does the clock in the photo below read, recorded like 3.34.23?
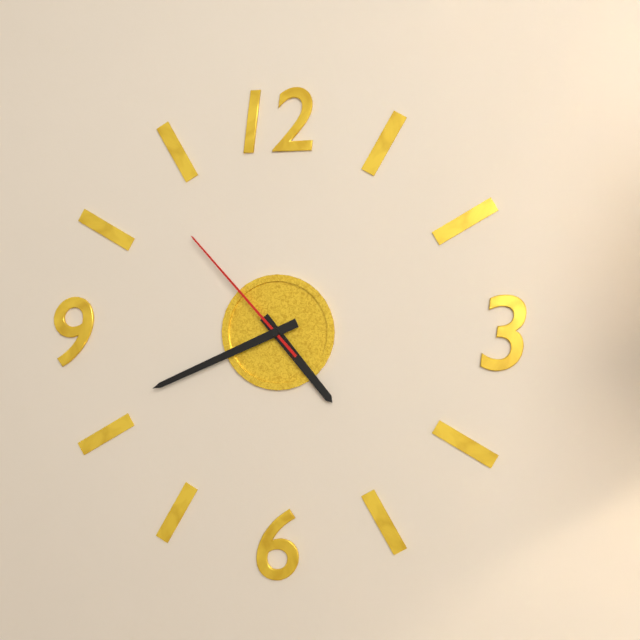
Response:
4.41.53
